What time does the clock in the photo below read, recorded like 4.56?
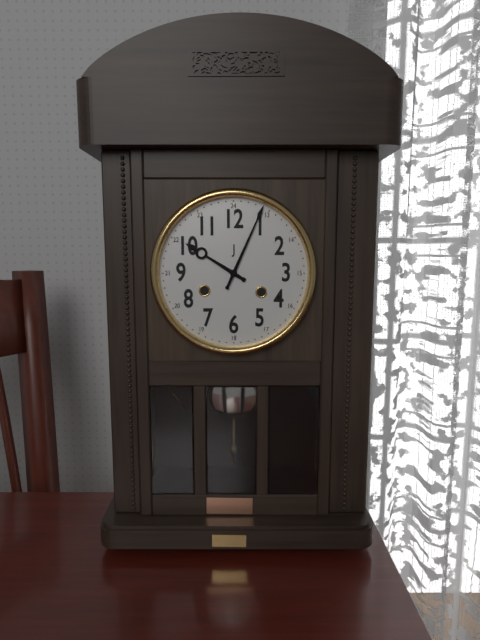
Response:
10.04
